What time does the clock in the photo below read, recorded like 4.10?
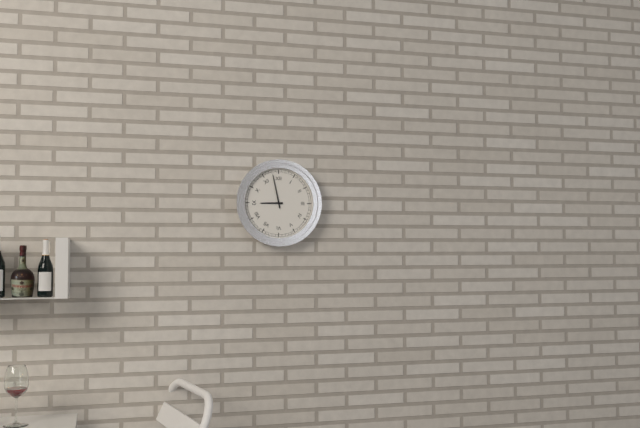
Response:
8.58
